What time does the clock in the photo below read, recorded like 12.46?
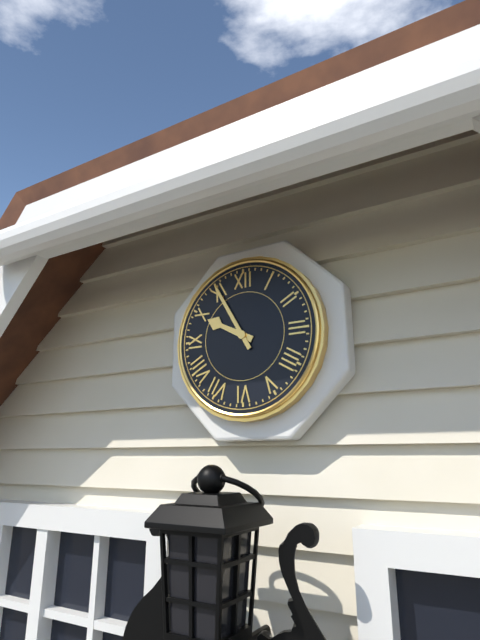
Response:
9.55
